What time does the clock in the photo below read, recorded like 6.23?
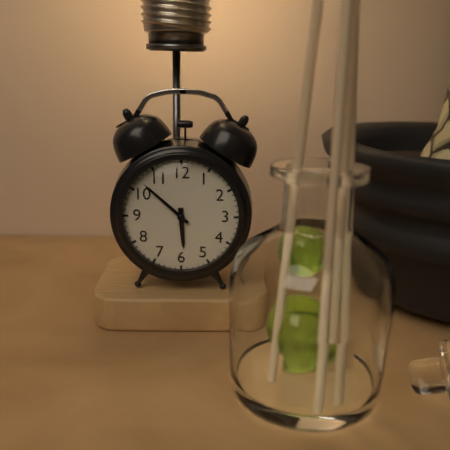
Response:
5.52
